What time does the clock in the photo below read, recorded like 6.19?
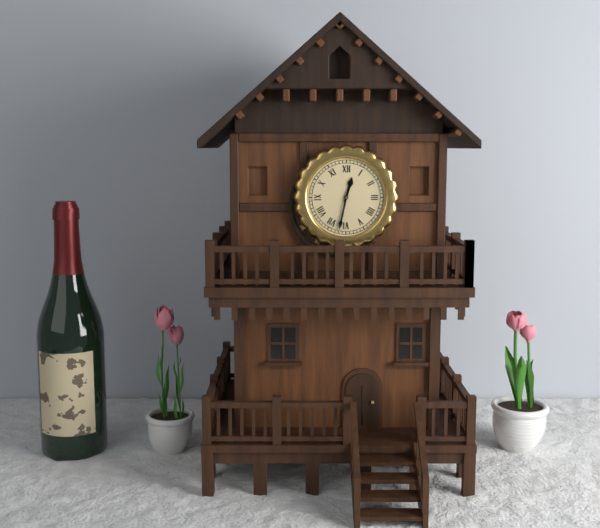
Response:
12.32
